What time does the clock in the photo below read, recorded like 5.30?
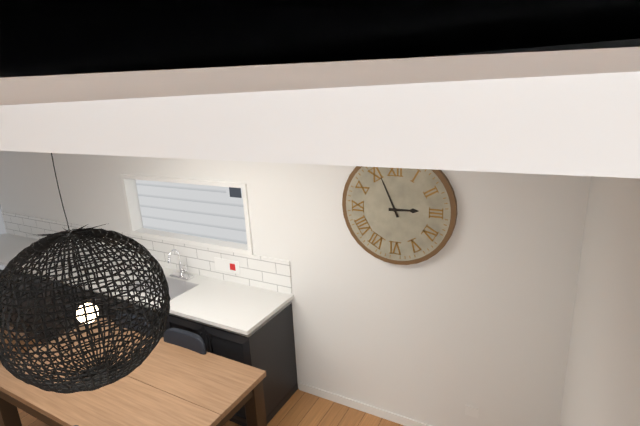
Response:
2.56
